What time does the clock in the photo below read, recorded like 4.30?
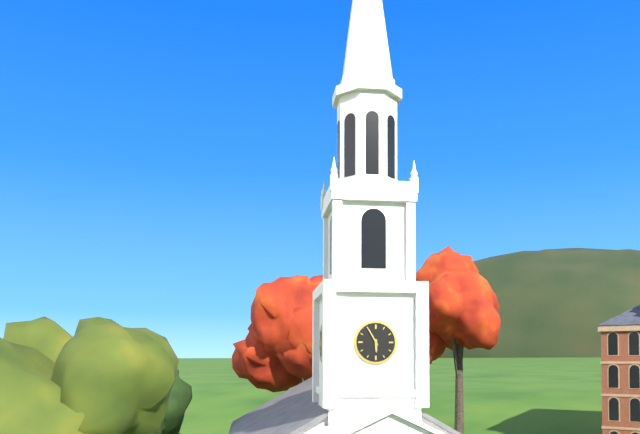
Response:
5.55
